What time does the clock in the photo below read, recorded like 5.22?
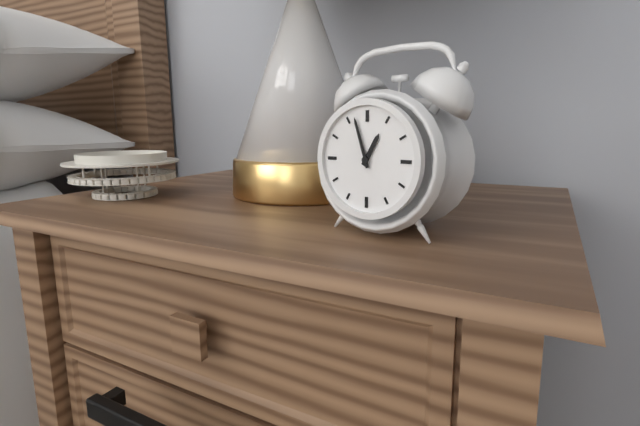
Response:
12.57
